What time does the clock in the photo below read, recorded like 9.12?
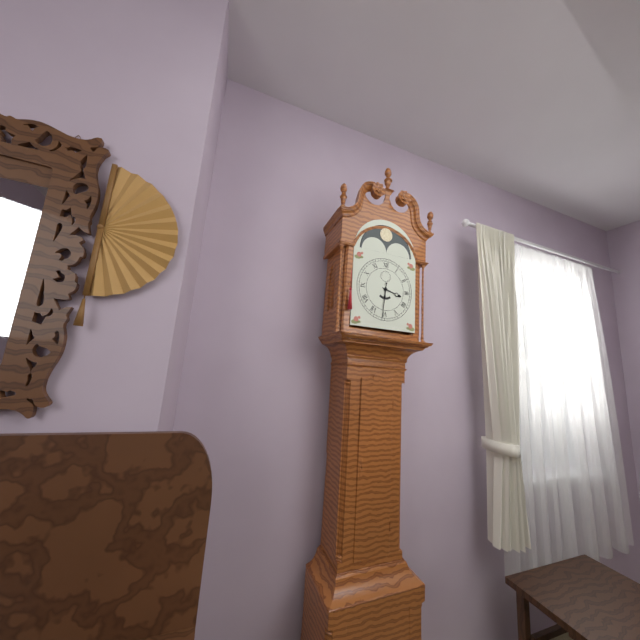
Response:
3.31
